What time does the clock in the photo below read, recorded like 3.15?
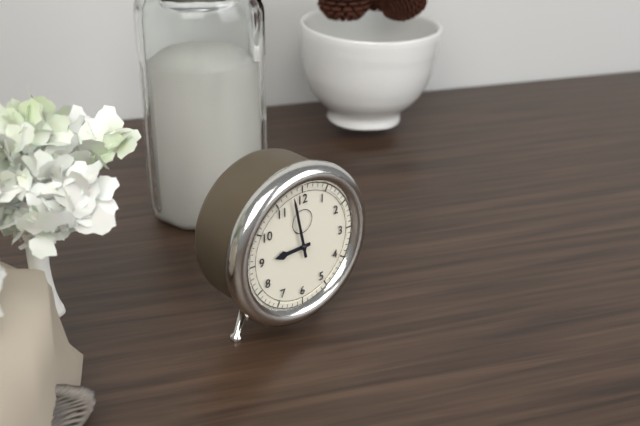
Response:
8.58
